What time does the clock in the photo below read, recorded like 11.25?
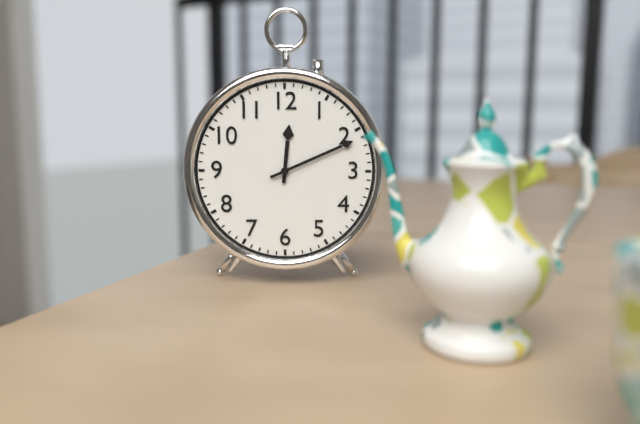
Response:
12.11
